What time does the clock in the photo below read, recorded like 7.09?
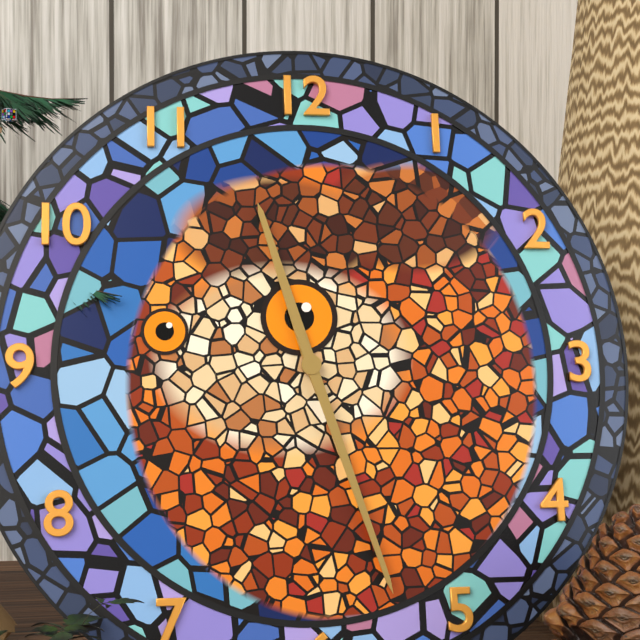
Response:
11.27
